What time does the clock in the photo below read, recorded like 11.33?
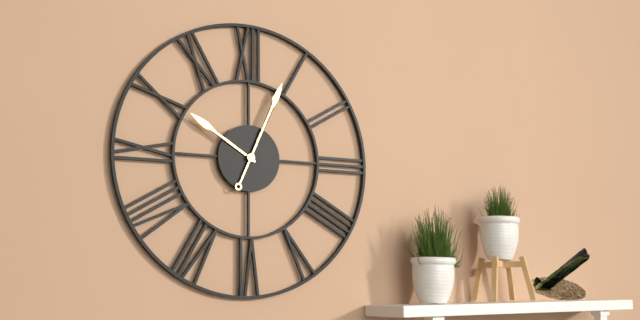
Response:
10.04
